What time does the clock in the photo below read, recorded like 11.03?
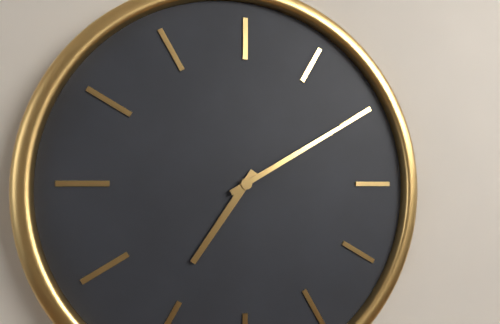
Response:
7.10
